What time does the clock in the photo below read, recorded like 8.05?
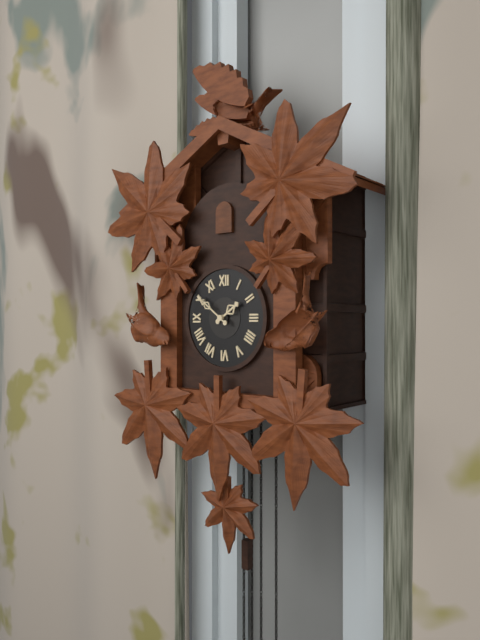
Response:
1.51
